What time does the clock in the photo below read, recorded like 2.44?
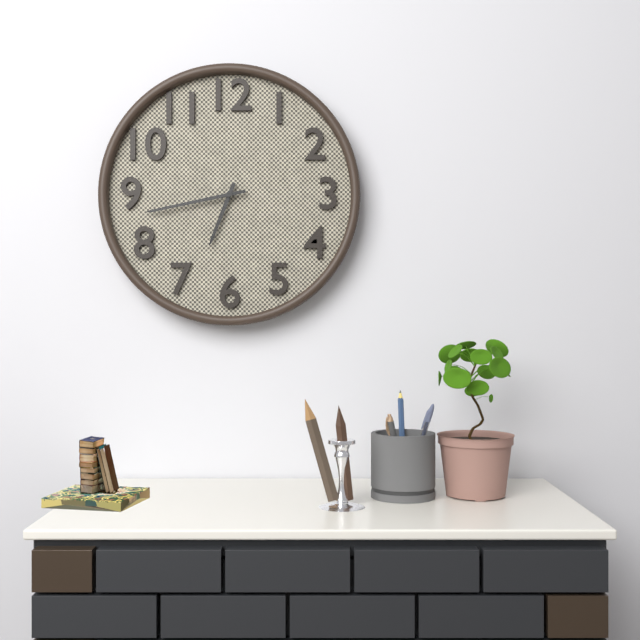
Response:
6.43
